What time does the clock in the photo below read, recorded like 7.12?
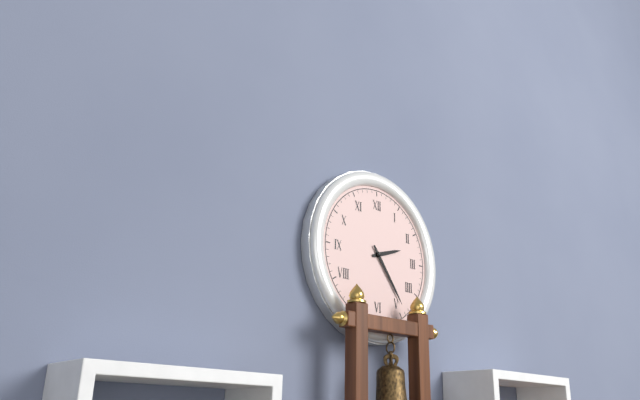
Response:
2.24
